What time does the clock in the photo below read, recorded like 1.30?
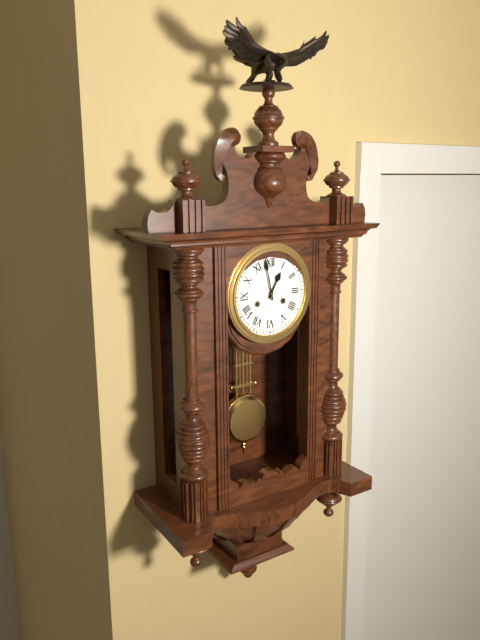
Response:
12.58
